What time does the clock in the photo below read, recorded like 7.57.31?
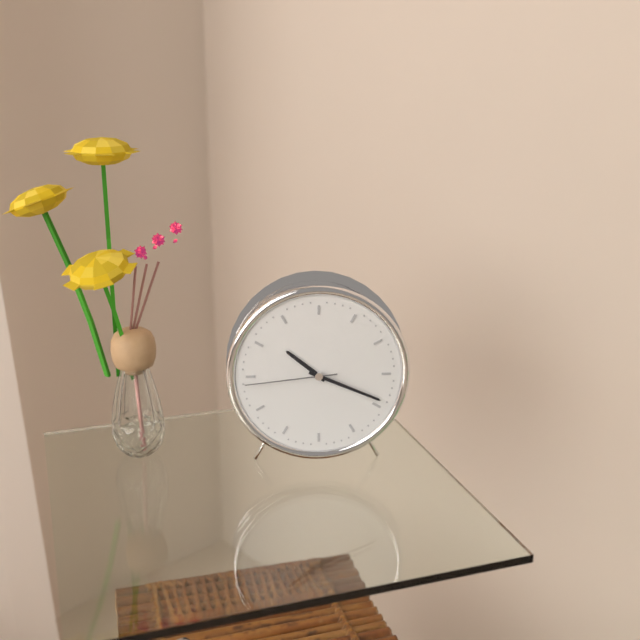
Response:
10.19.44
